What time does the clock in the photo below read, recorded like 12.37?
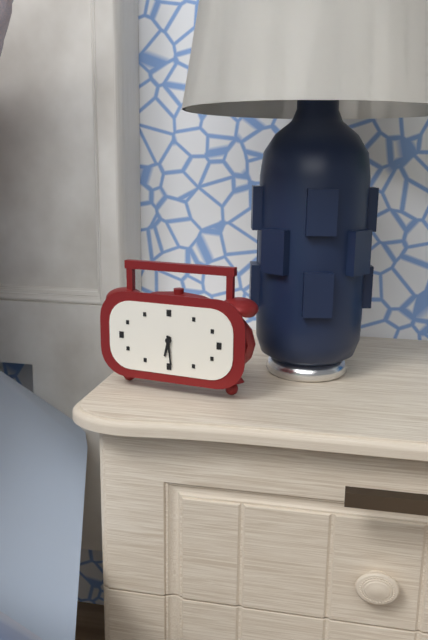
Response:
6.29
